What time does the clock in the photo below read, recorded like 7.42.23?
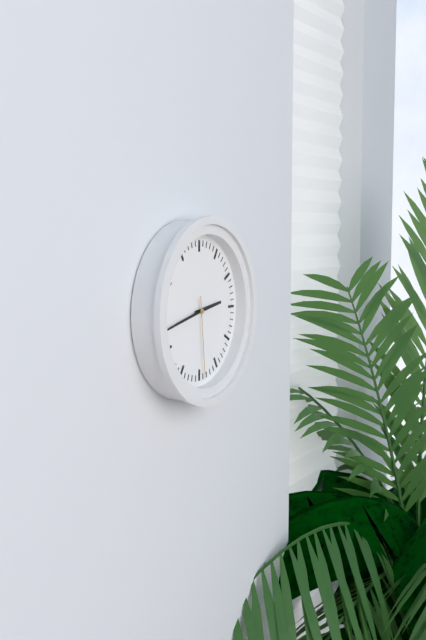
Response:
2.43.29
